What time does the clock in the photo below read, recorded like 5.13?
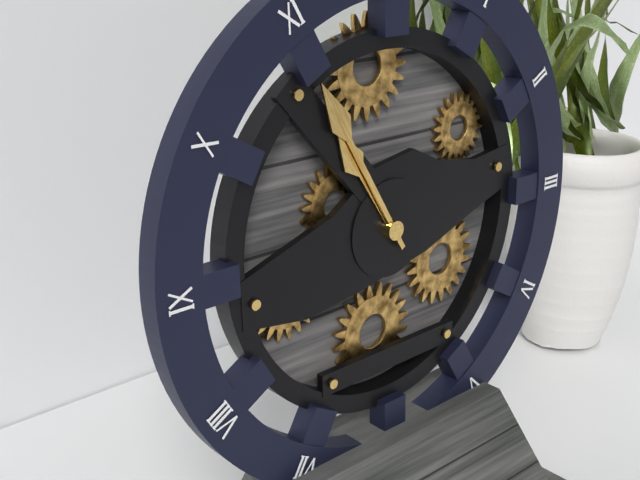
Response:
10.55
